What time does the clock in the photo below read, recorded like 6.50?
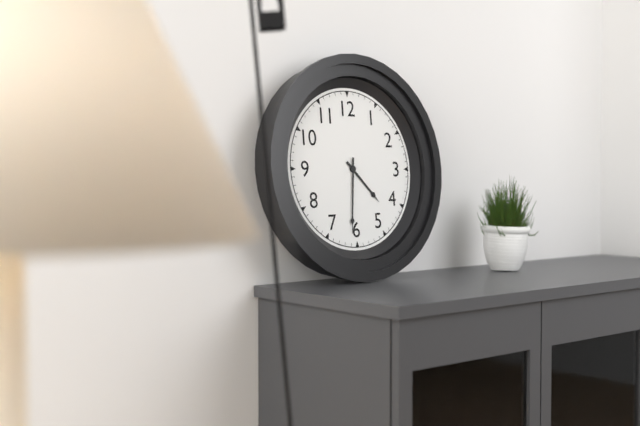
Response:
4.31
